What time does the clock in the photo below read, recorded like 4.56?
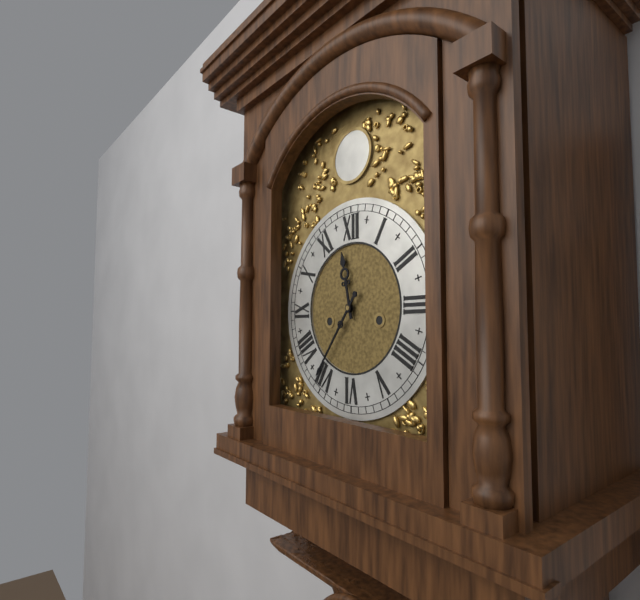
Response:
11.36
